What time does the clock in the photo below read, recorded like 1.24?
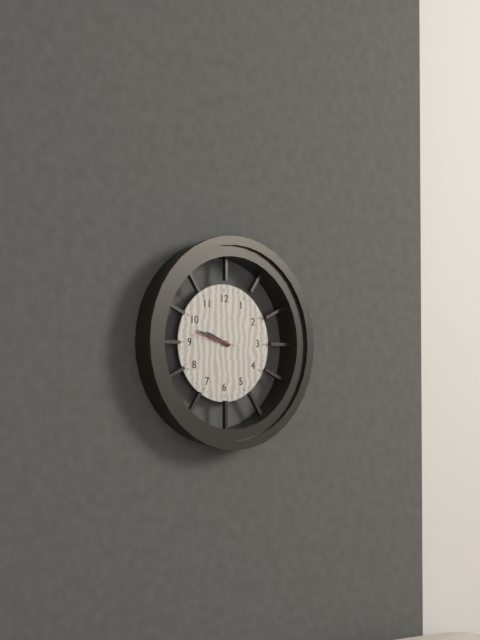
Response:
9.48
